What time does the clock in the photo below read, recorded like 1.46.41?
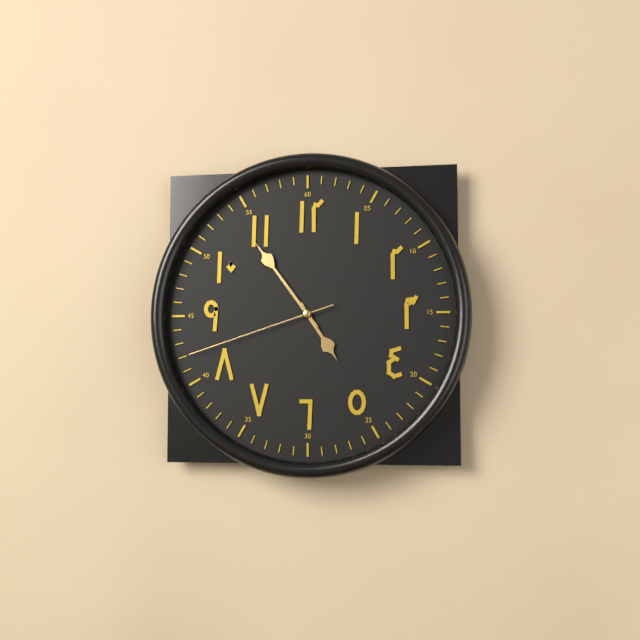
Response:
4.54.42
